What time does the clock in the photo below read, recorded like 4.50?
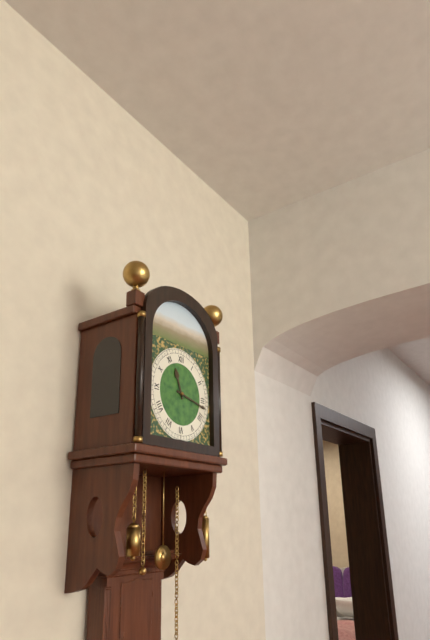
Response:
11.17
